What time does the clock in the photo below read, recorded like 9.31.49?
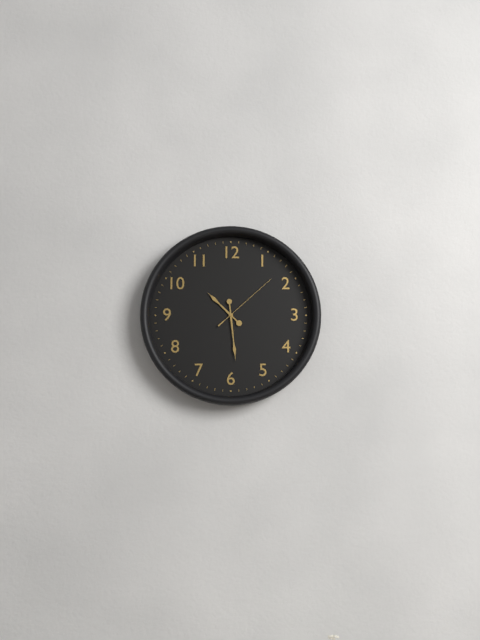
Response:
10.29.08
